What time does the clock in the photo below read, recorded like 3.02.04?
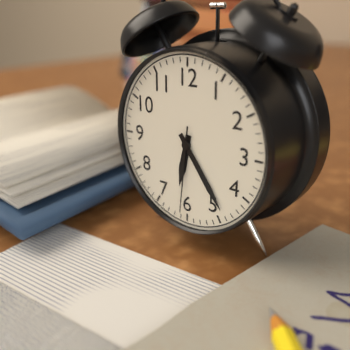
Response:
6.24.31
